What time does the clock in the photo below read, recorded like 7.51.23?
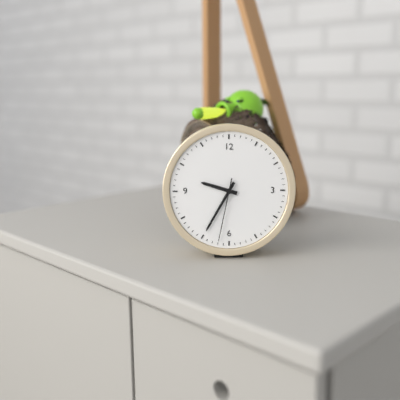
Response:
9.35.32
